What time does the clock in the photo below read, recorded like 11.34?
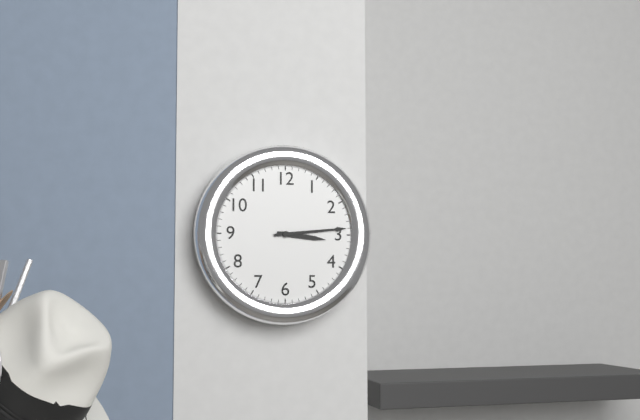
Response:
3.14
